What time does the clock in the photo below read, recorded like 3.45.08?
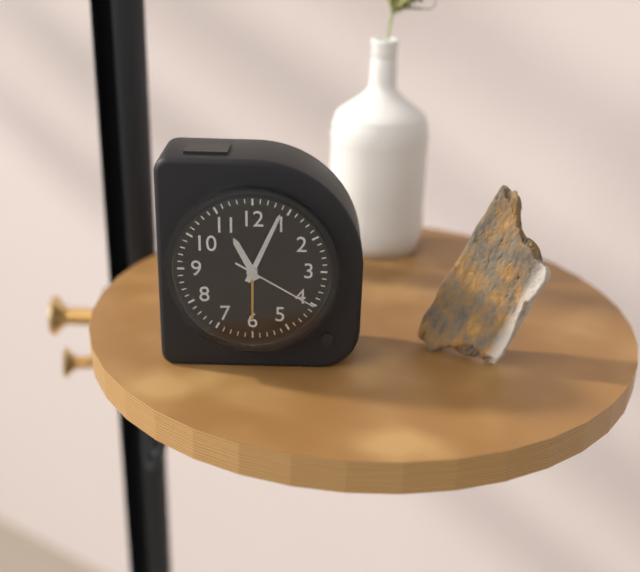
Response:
11.04.20
